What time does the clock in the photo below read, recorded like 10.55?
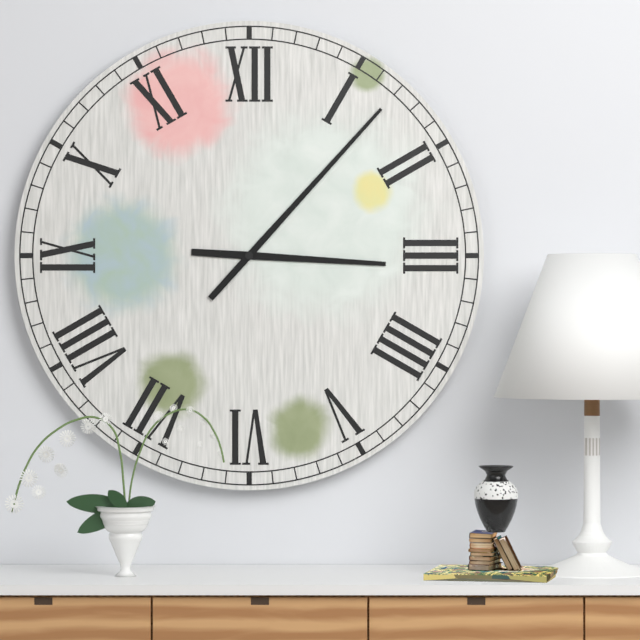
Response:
3.07
